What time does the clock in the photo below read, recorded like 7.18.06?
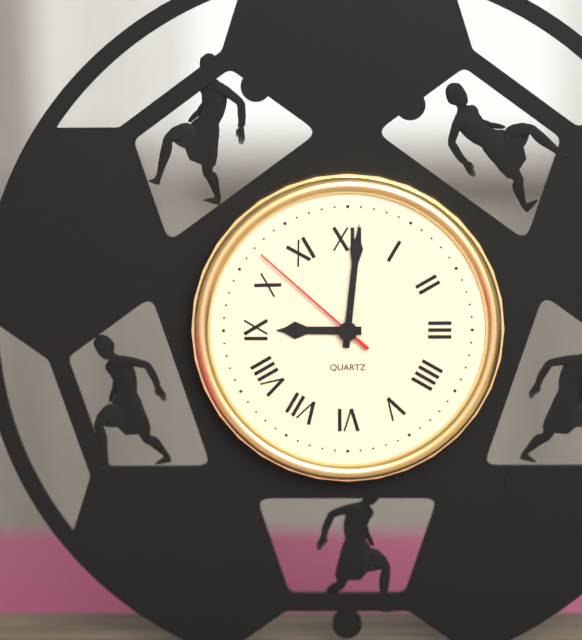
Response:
9.01.52
